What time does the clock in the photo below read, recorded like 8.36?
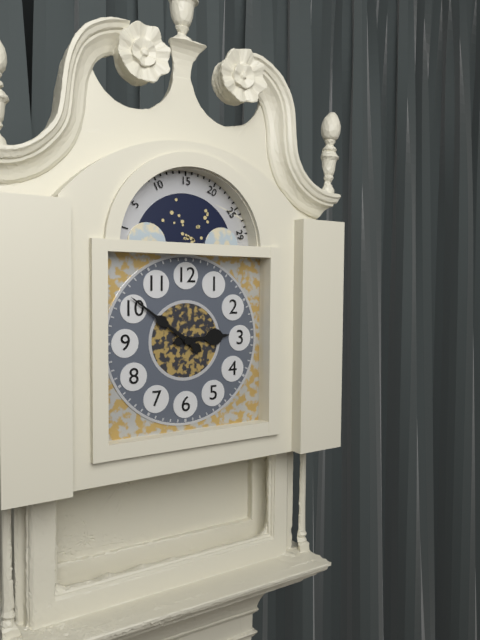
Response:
2.51
